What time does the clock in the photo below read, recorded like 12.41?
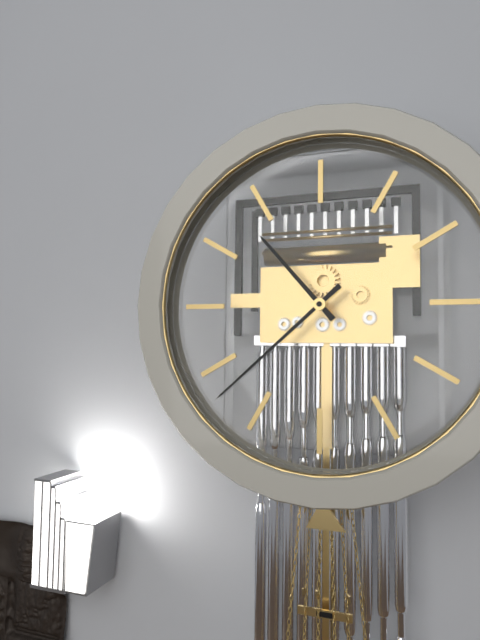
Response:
10.38
